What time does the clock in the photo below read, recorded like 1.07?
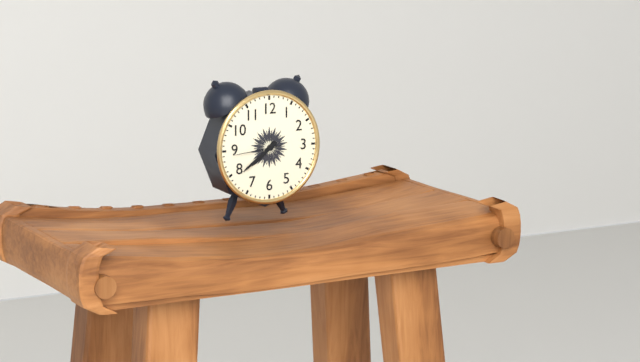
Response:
7.39
